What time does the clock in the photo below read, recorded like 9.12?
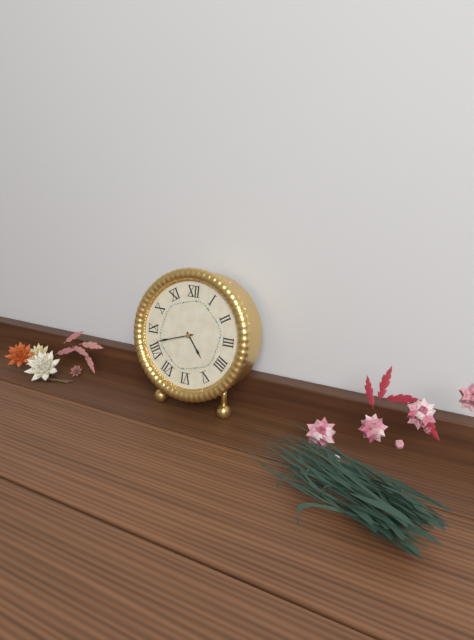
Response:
4.42
